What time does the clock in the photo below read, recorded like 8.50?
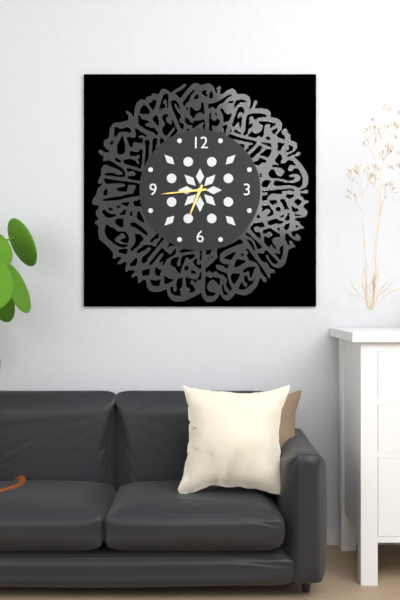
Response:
6.44
